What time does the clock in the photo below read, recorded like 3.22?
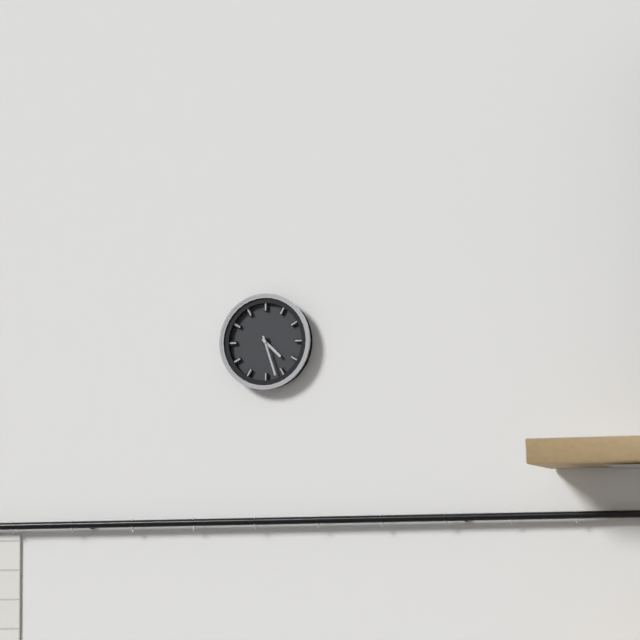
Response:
4.27
